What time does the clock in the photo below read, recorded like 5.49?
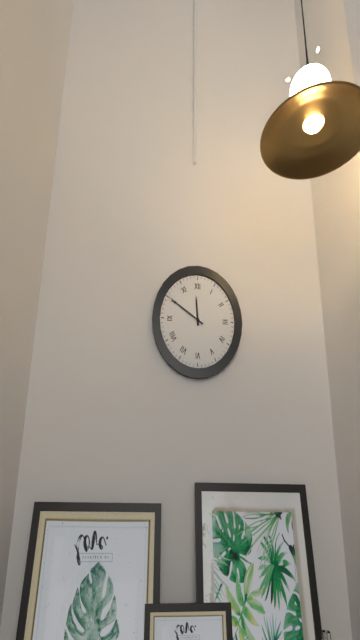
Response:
11.50
